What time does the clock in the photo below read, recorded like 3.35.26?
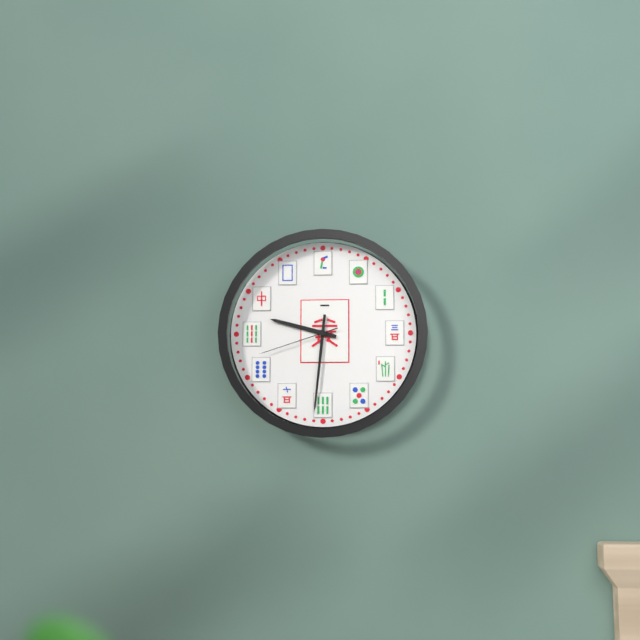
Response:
9.31.42
